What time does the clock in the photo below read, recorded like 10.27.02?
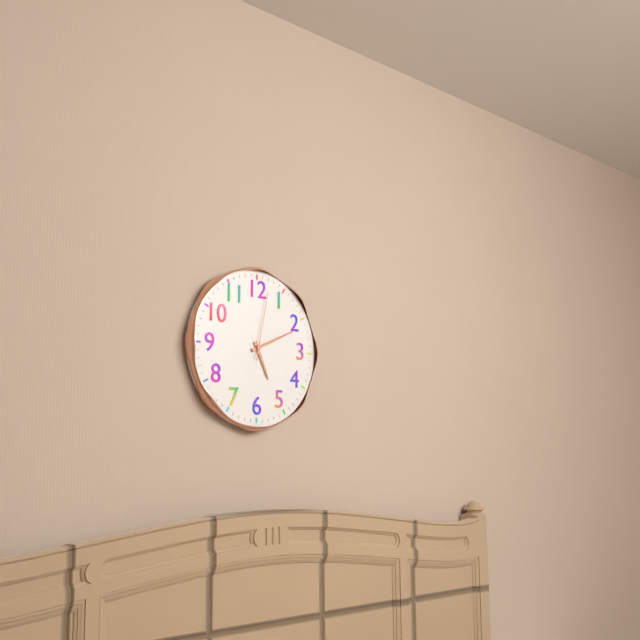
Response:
5.11.02
